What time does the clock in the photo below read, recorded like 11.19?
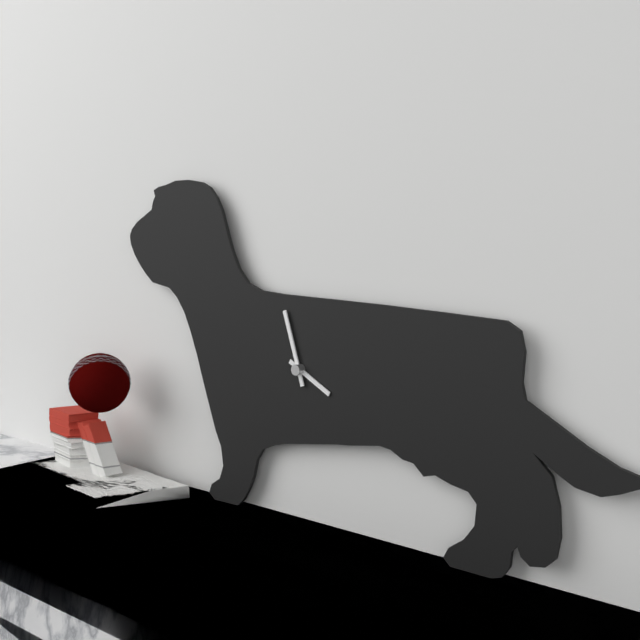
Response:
3.57
